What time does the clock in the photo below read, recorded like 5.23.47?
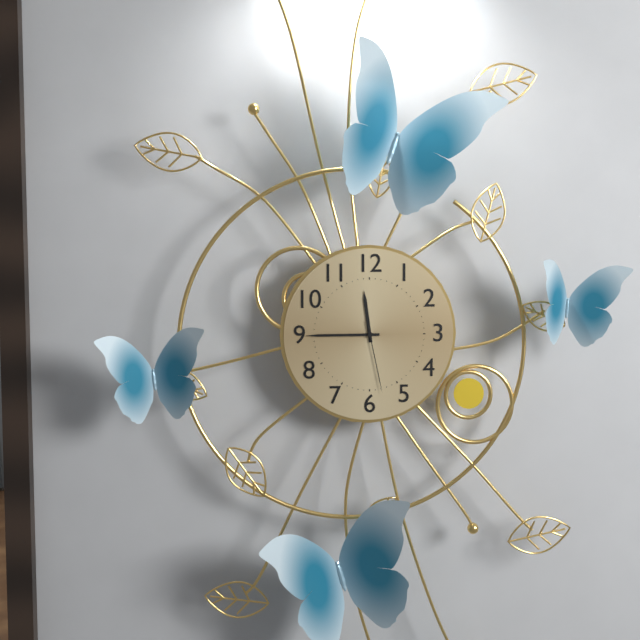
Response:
11.45.28
